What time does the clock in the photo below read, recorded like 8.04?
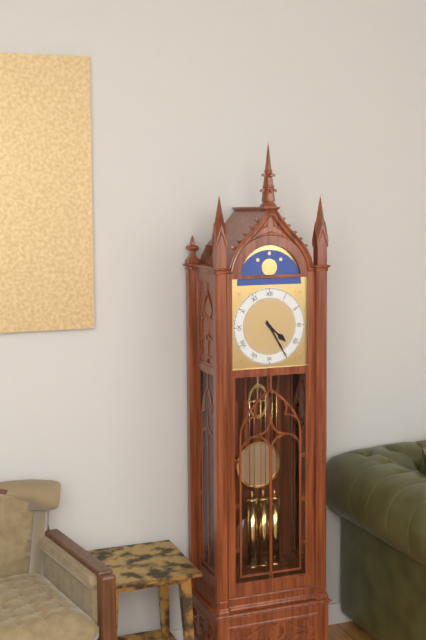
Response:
4.25
